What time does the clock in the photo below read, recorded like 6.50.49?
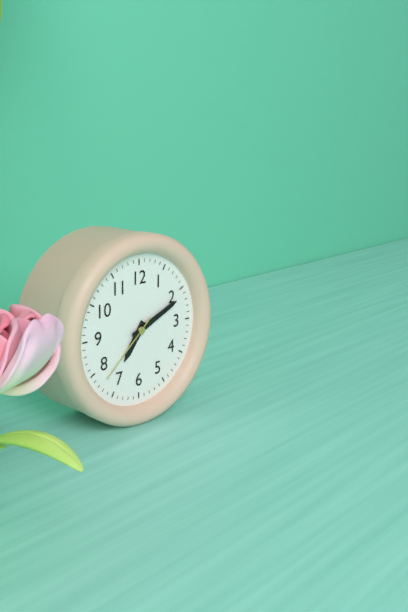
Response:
7.11.38
